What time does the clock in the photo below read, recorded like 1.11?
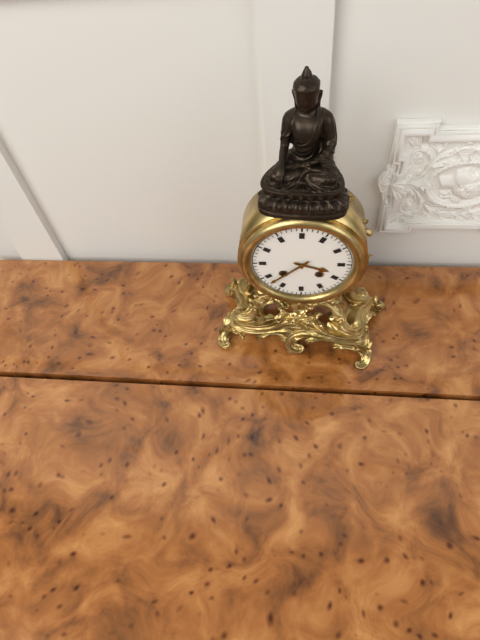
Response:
3.38
